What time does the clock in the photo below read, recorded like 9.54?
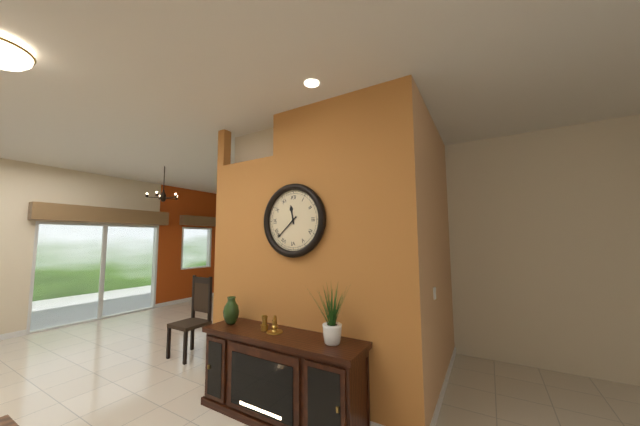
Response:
11.38
